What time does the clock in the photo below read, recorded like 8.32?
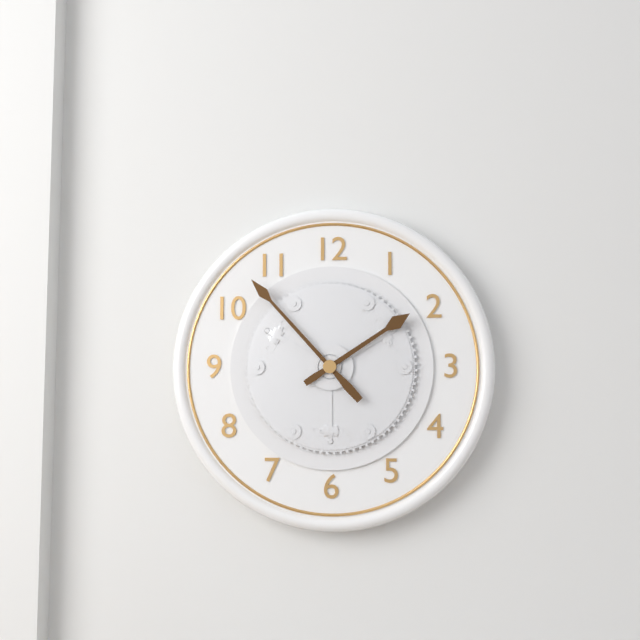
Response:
1.53
